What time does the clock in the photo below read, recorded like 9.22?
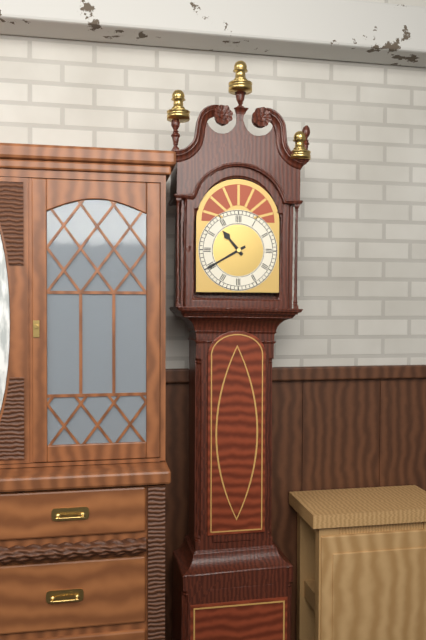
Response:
10.40
